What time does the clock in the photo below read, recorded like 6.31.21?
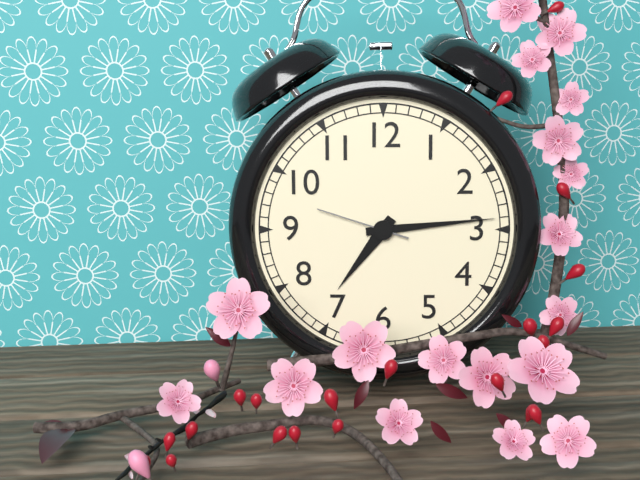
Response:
7.14.48
